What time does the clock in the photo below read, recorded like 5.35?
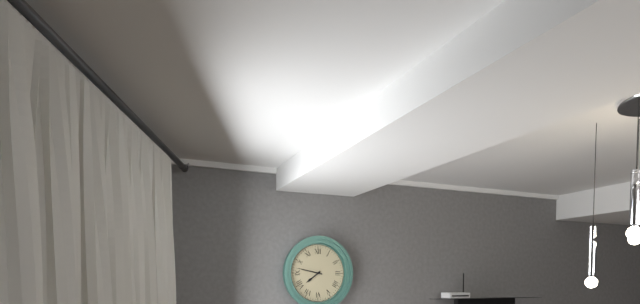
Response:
7.47
